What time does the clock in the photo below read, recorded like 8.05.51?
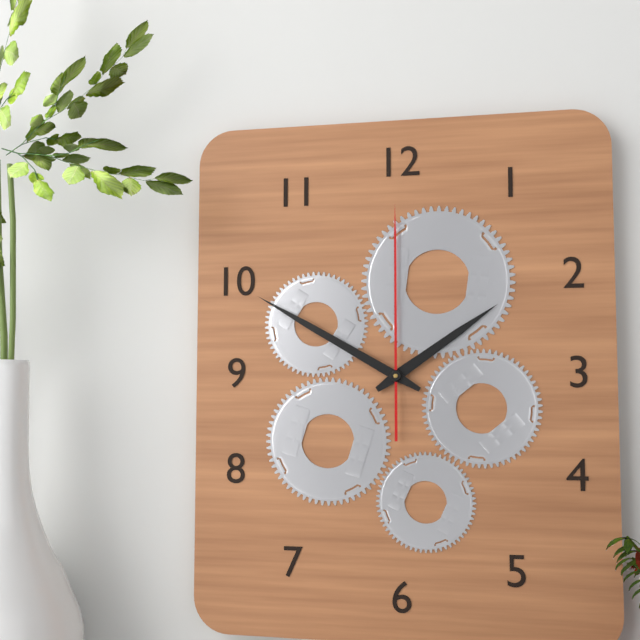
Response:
1.50.00
